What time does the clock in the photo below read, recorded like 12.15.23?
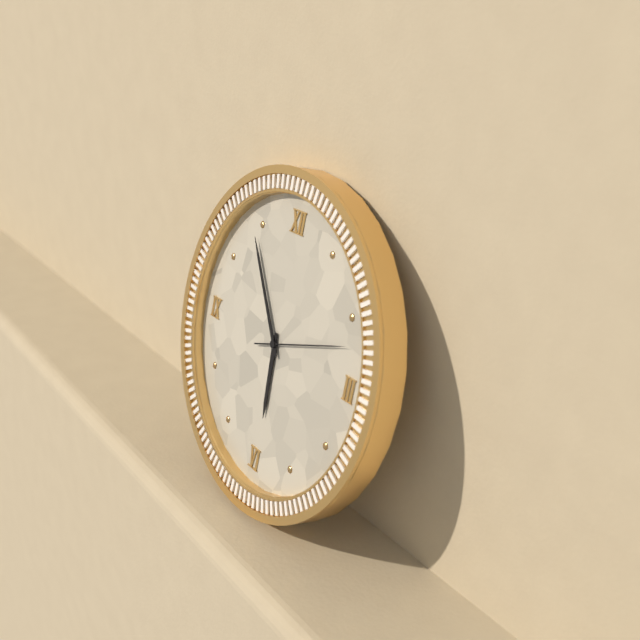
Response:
5.54.12
